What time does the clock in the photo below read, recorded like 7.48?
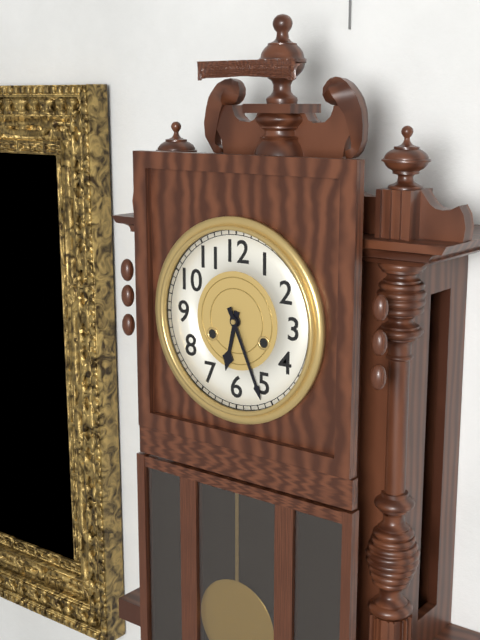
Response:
6.26
